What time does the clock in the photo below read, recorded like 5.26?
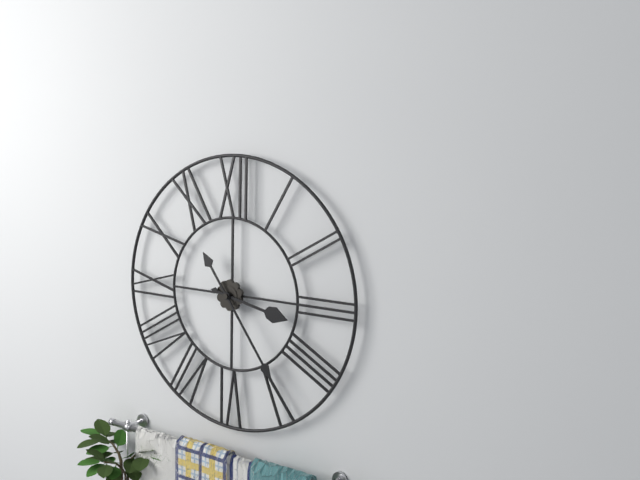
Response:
3.24
